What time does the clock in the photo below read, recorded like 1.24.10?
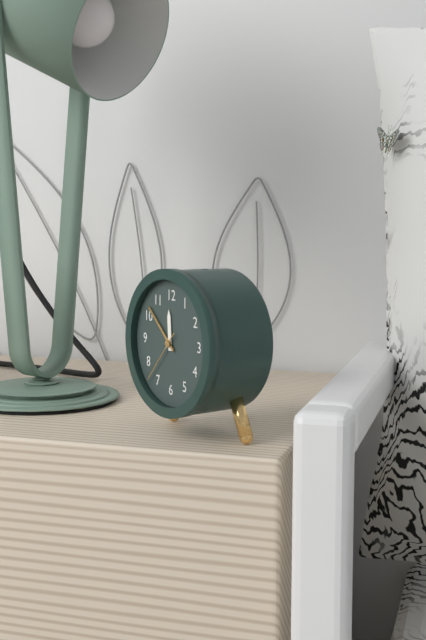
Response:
11.52.37
